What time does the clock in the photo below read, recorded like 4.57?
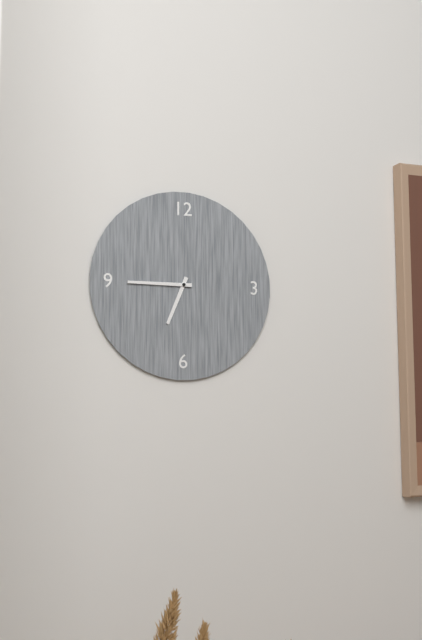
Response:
6.45
